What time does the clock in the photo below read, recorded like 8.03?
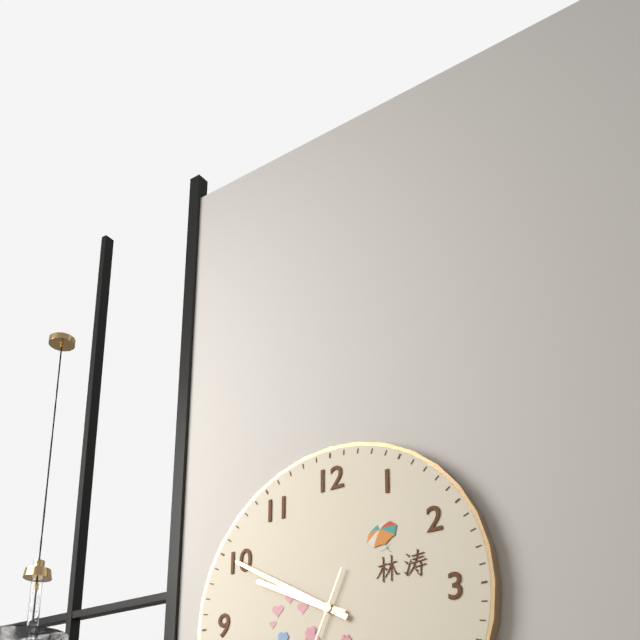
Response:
9.50
